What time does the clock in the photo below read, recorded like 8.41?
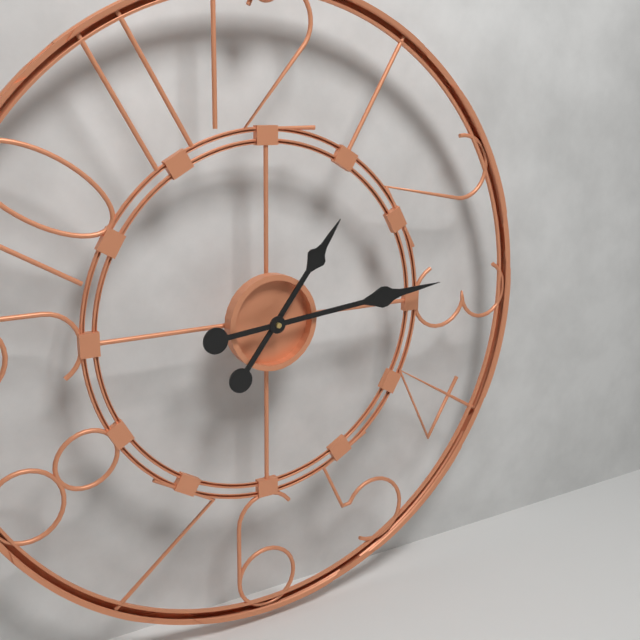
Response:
1.14
